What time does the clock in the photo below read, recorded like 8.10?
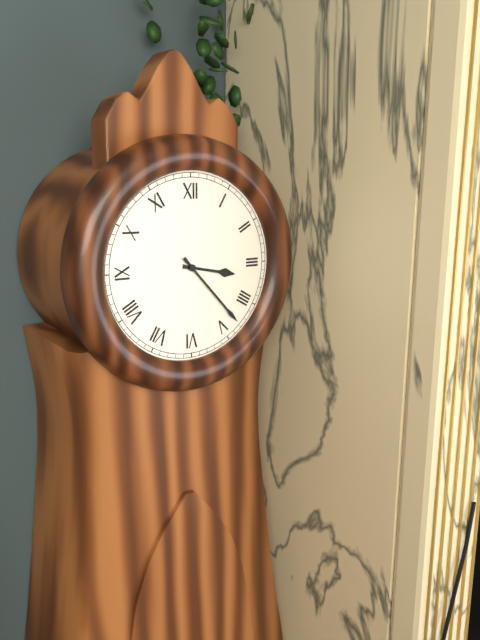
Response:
3.23
